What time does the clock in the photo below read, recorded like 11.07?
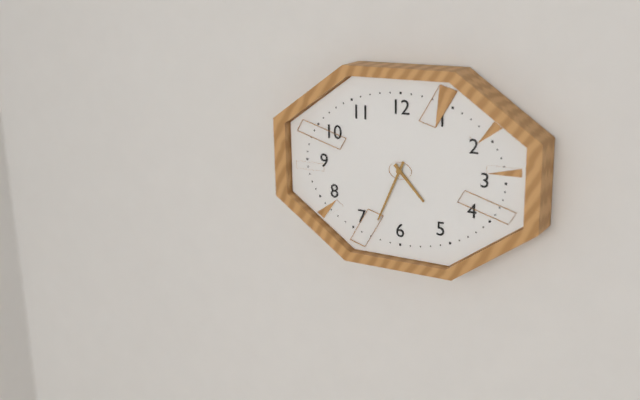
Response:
4.34
